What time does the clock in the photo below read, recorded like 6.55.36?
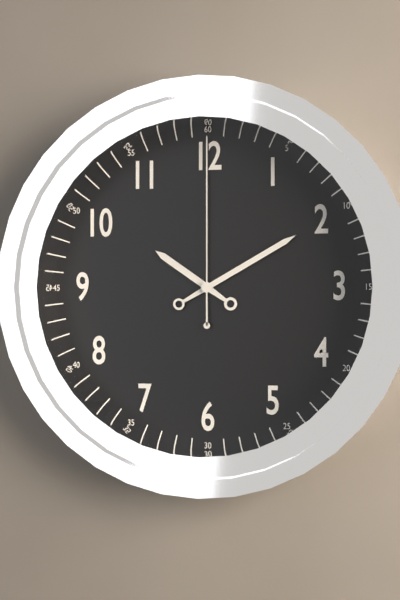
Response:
10.10.00
